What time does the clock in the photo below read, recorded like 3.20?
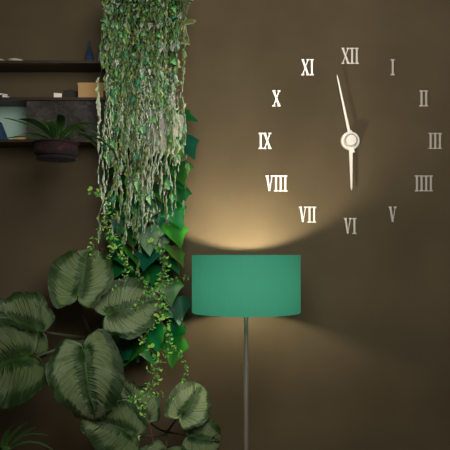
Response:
5.58
